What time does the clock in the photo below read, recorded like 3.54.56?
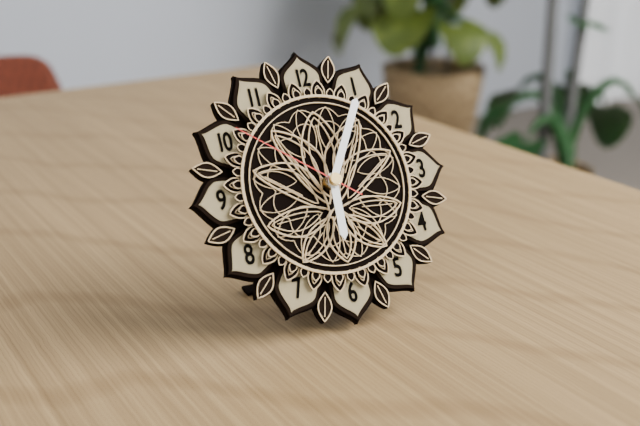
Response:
6.05.51
